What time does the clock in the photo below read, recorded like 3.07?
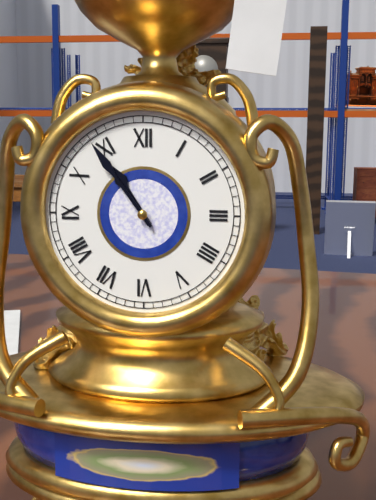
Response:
10.54
